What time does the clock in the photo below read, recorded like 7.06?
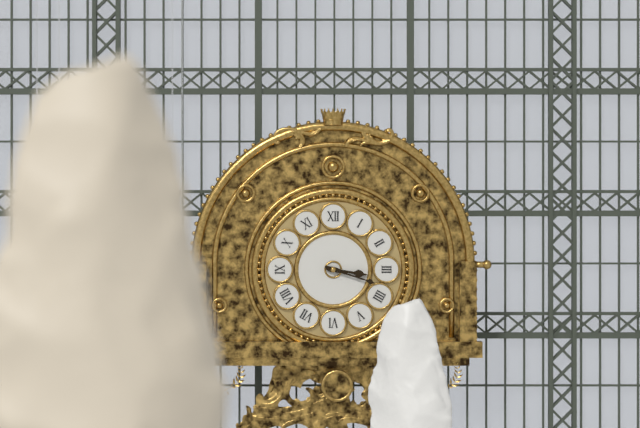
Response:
3.18
